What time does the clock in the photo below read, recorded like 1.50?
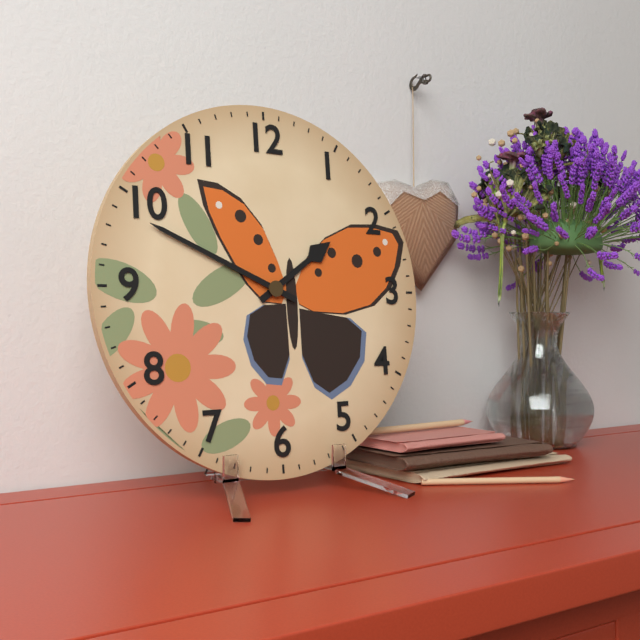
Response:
1.49
